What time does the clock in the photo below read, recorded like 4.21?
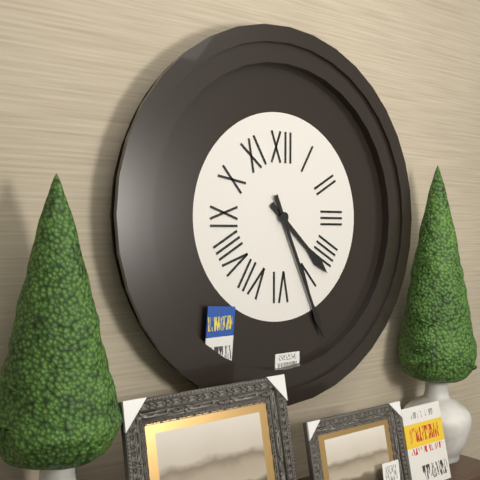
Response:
4.26
